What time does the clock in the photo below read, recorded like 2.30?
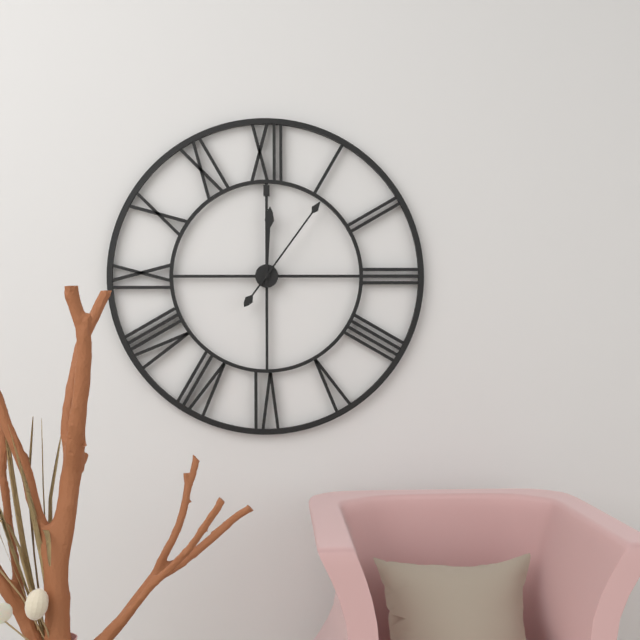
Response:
12.06
